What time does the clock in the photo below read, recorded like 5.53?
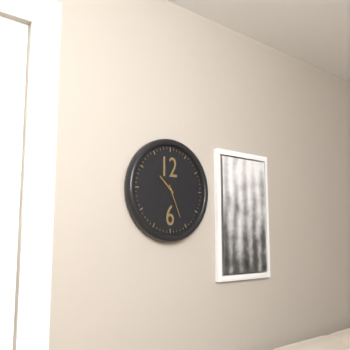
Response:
10.26
